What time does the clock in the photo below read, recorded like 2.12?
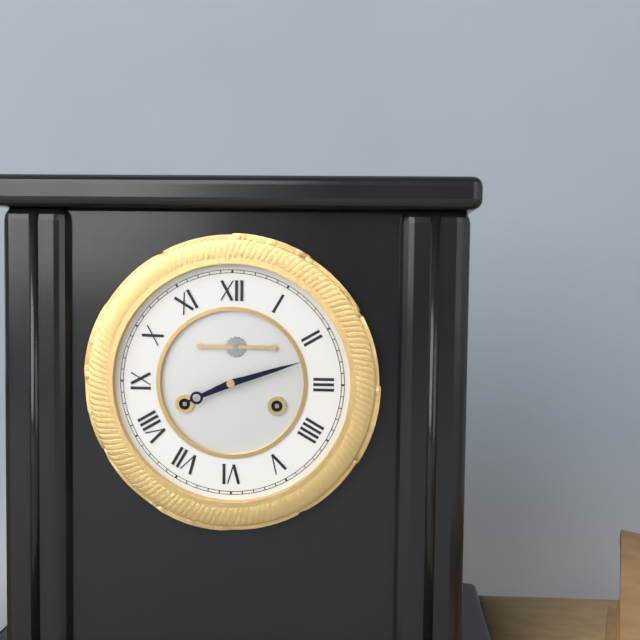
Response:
8.12
